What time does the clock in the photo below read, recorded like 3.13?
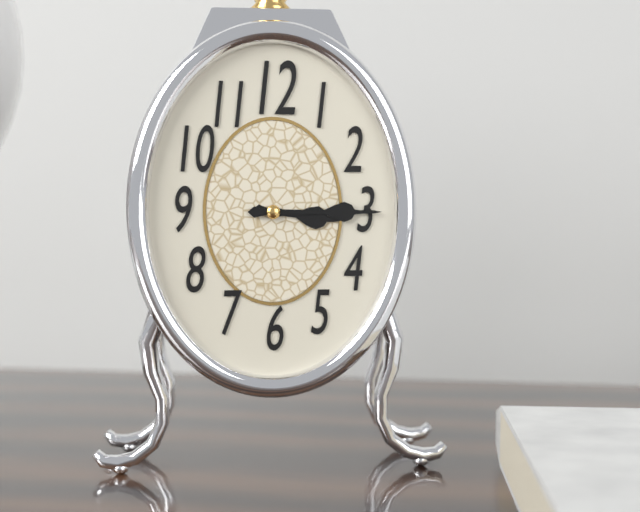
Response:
3.15
